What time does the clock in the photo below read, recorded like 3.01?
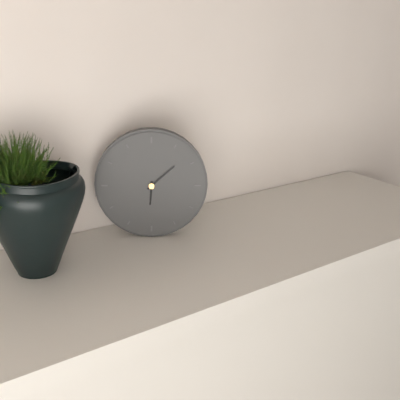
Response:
6.08
